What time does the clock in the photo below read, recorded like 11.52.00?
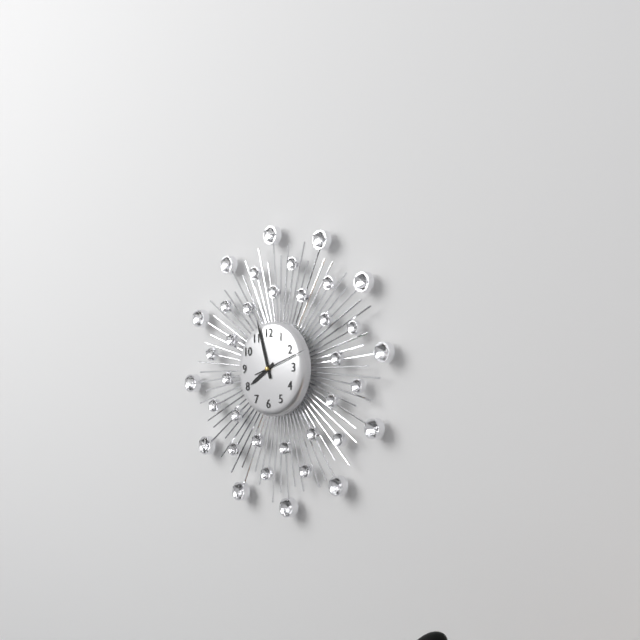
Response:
7.57.12
